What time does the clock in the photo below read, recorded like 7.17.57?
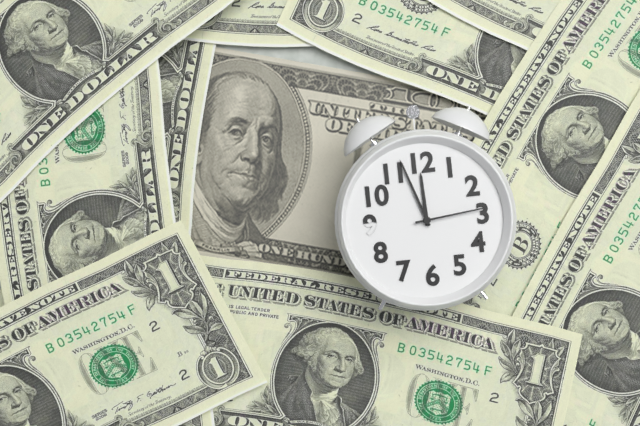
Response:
11.57.14
